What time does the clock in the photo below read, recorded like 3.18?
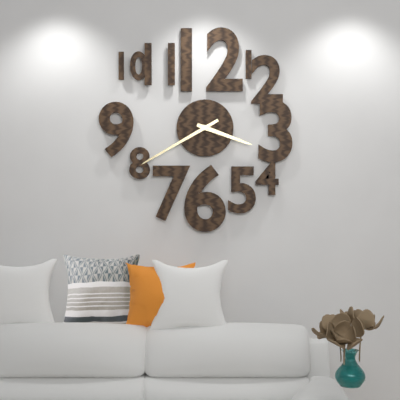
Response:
3.40
